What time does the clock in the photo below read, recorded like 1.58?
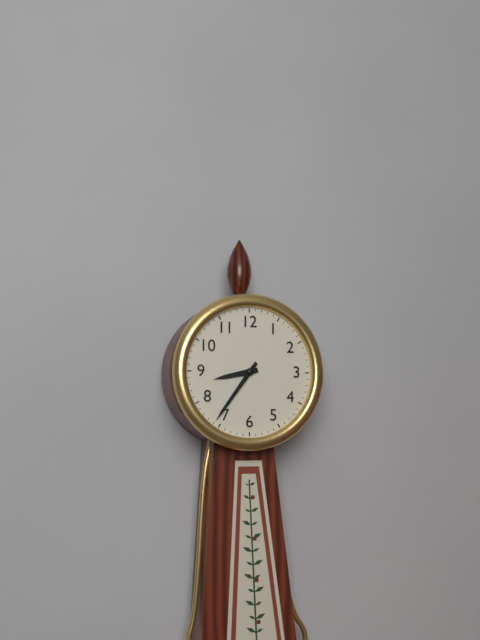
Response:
8.36
